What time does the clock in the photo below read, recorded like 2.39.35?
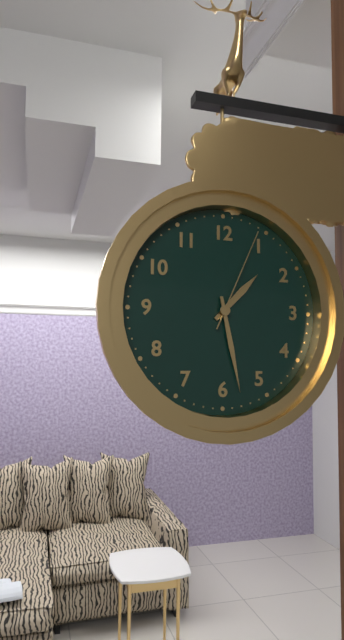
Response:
1.28.04
